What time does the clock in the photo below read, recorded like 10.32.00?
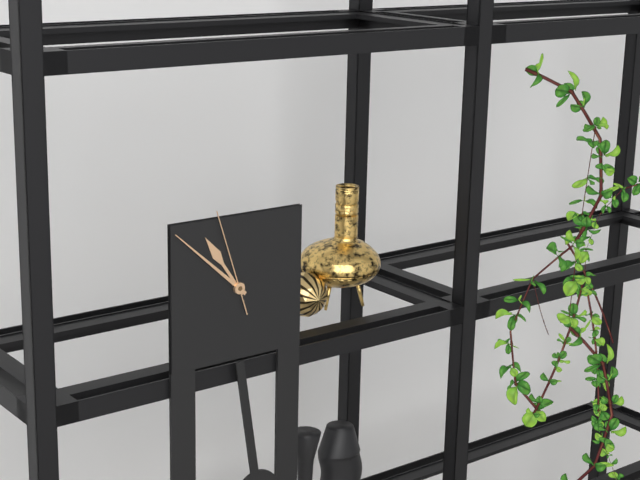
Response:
10.52.57
